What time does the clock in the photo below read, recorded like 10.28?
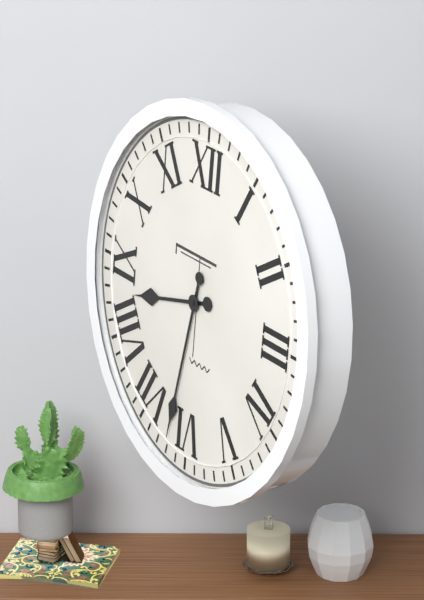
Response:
8.32
